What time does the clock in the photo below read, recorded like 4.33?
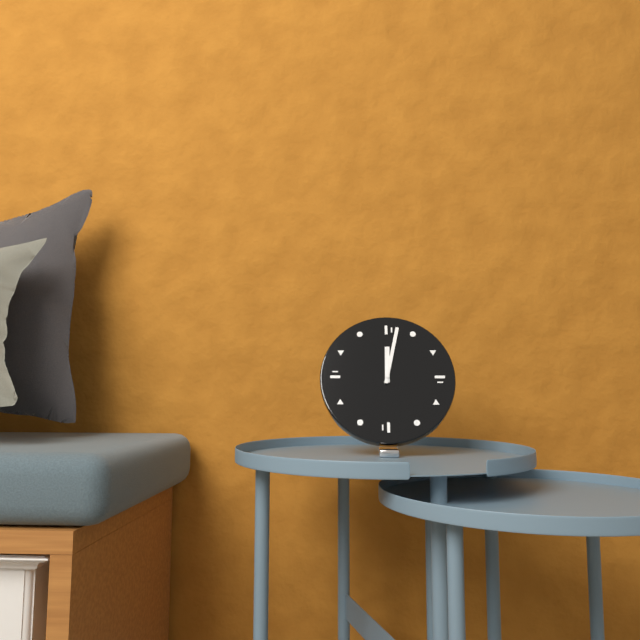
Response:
12.02
